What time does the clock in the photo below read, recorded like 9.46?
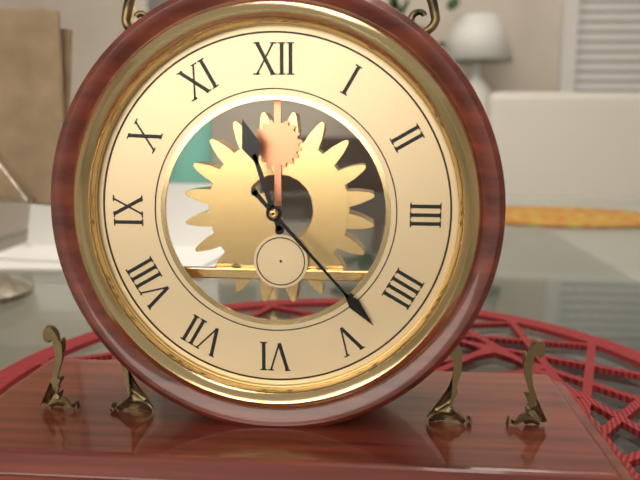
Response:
11.23
